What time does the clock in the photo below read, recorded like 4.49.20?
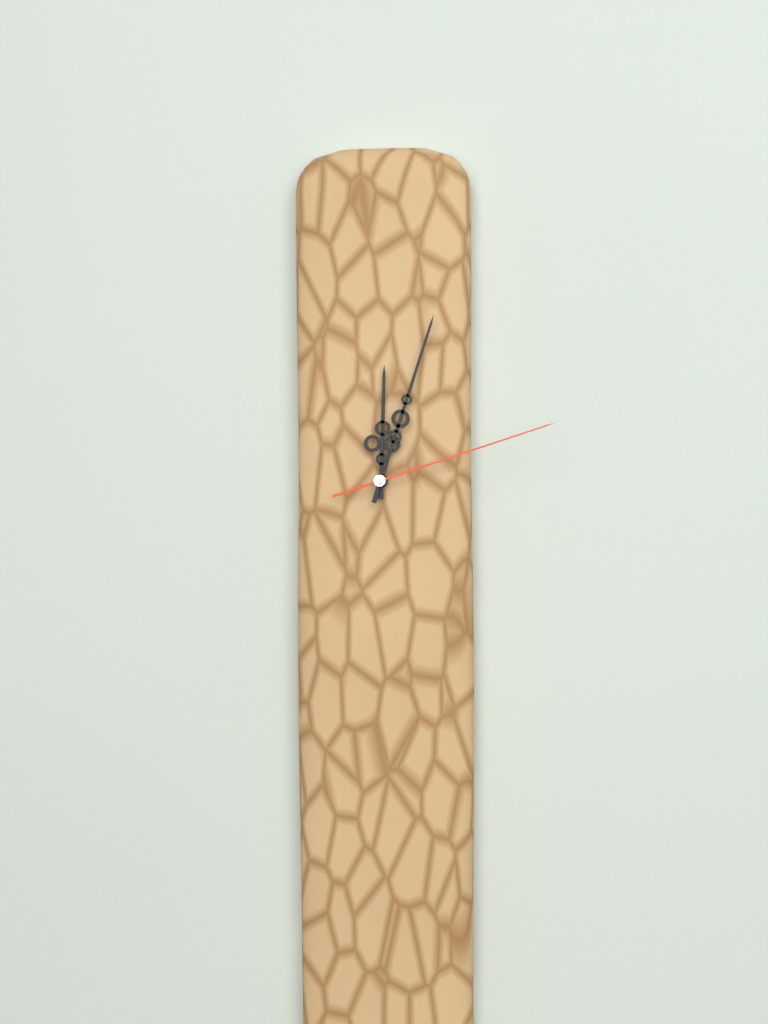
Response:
12.03.12
